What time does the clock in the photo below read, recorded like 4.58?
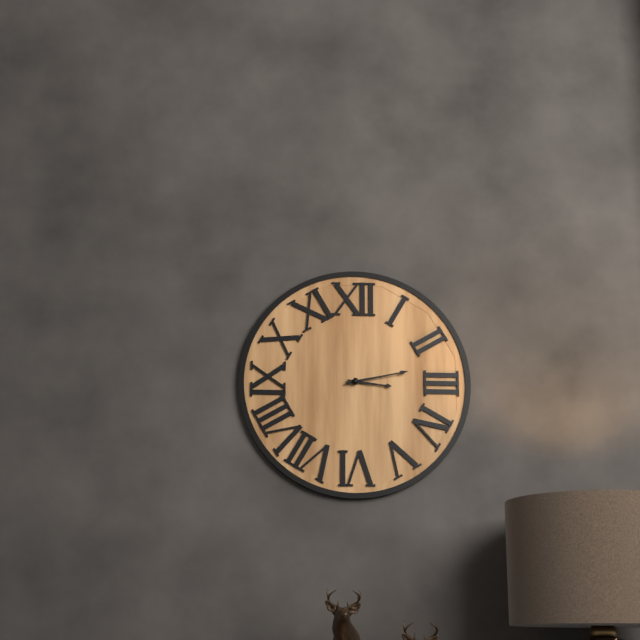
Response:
3.13
